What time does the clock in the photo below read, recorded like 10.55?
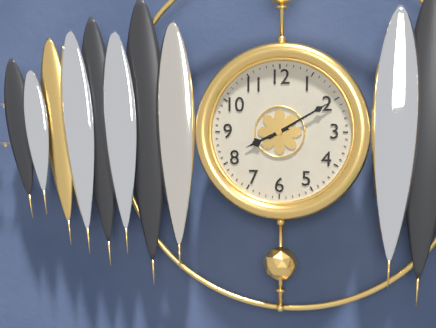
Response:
8.10
